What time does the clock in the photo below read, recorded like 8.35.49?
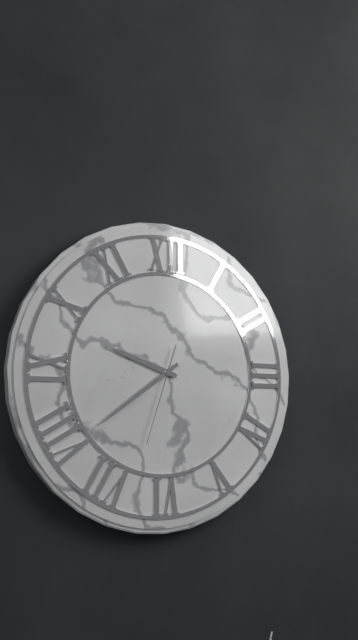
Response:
9.39.33
